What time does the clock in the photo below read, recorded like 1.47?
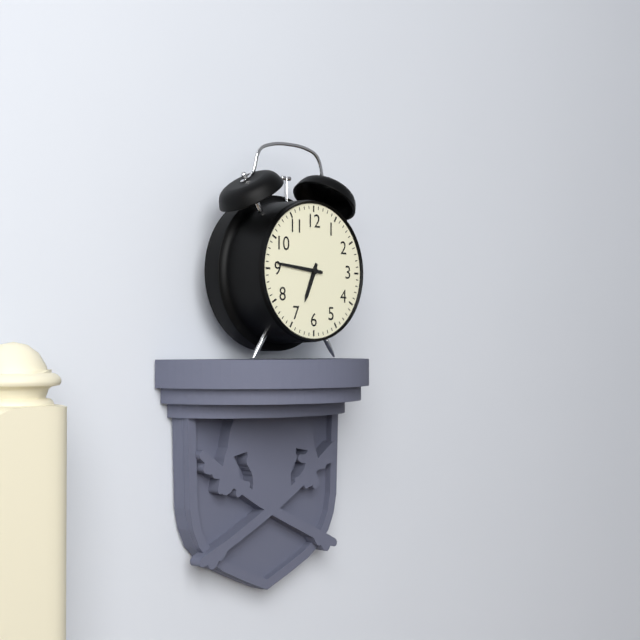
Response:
6.46
